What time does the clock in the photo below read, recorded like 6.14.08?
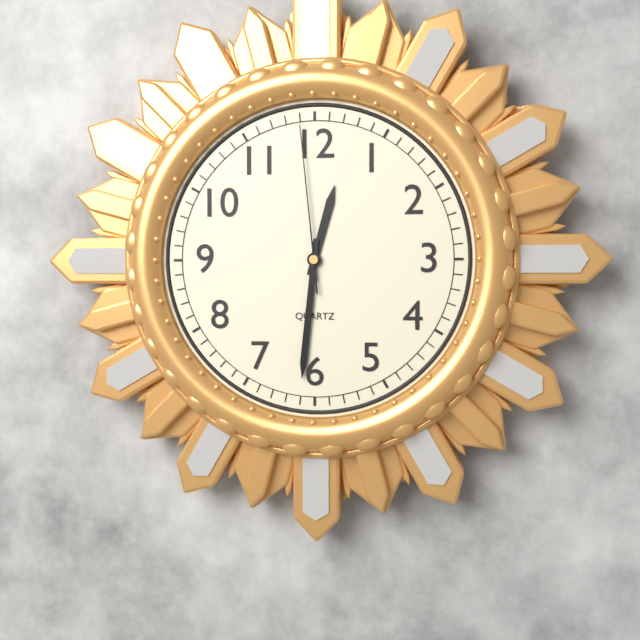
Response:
12.31.59
